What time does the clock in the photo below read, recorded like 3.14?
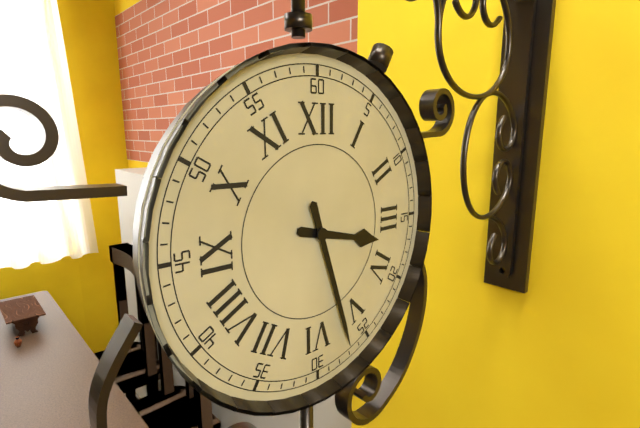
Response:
3.27
